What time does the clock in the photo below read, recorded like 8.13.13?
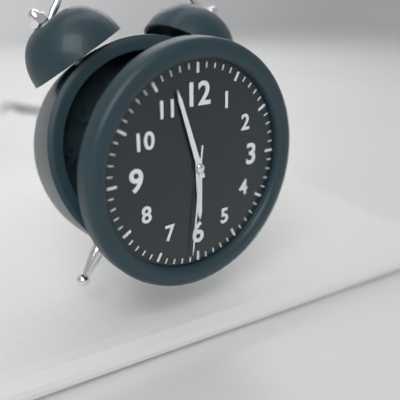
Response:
5.57.31
